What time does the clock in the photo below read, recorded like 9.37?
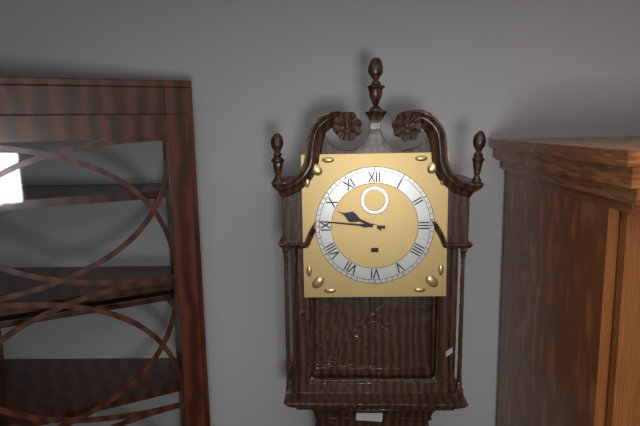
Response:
9.46
